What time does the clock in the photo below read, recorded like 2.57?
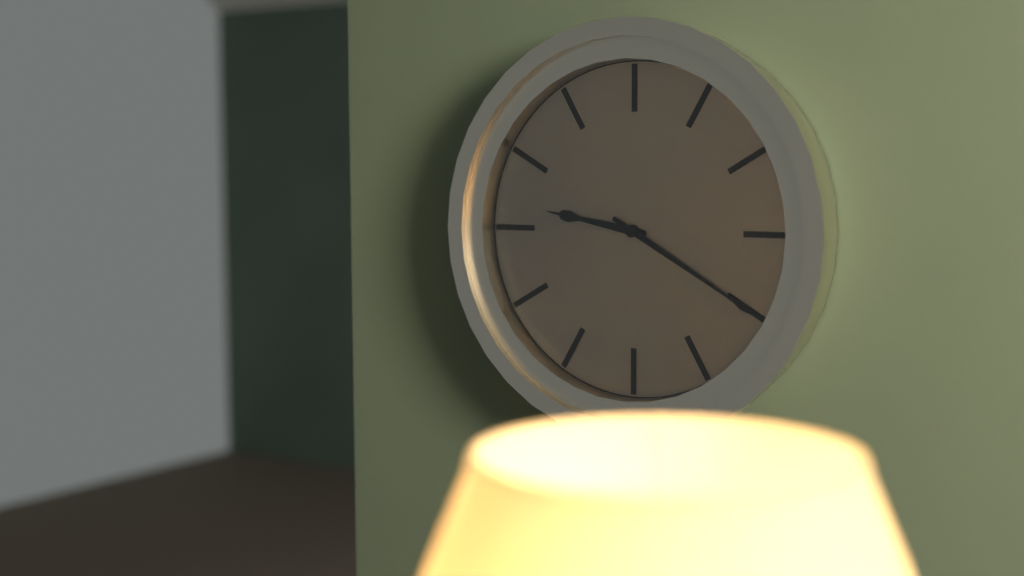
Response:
9.20
